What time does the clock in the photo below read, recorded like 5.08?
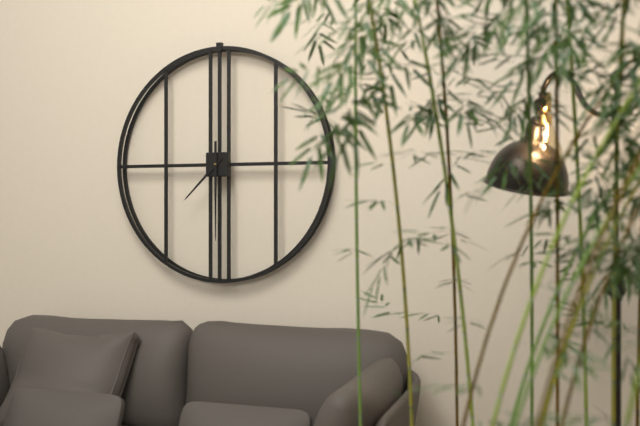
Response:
7.30
